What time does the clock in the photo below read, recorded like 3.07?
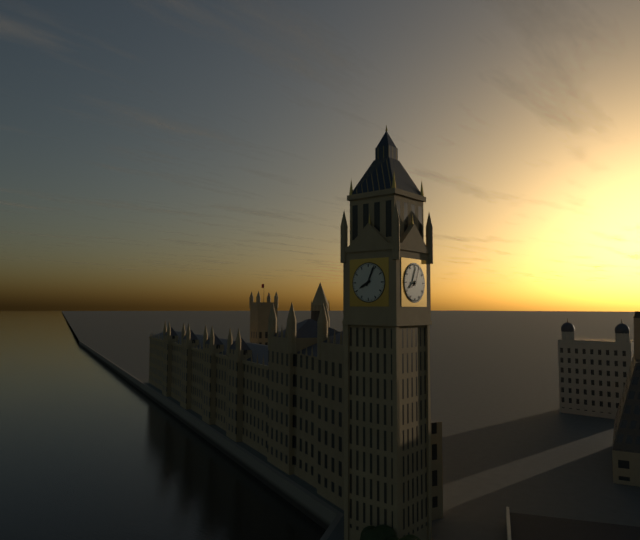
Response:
8.04
